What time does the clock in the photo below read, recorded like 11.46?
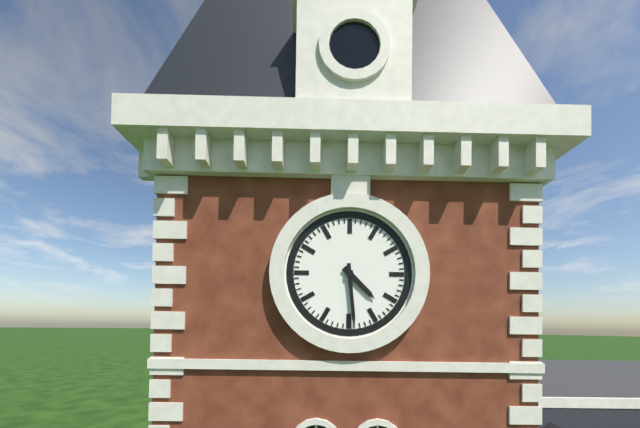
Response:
4.29
